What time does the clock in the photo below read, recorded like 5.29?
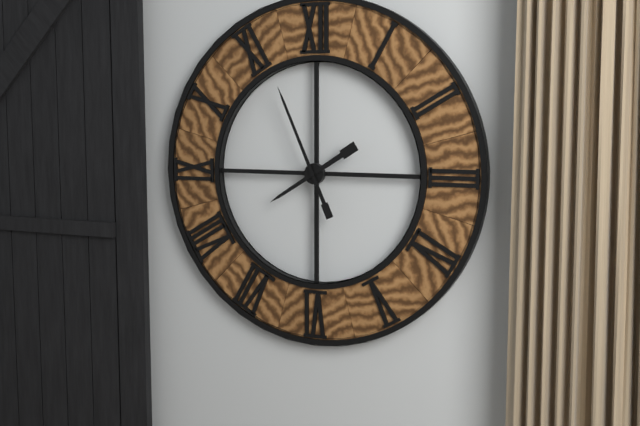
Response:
7.56
